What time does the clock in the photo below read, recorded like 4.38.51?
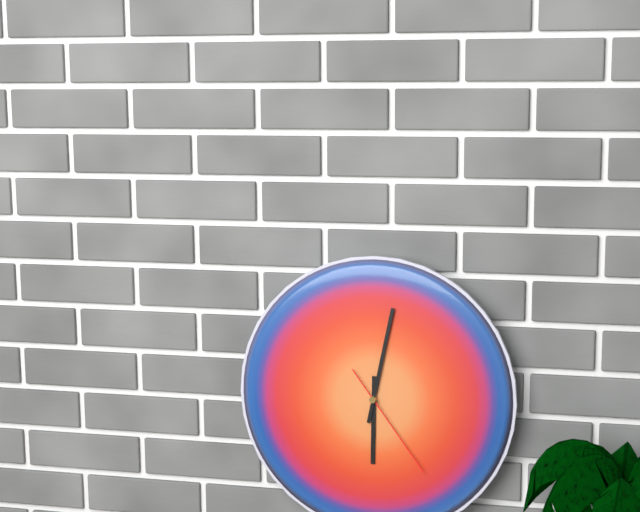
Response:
6.02.24
